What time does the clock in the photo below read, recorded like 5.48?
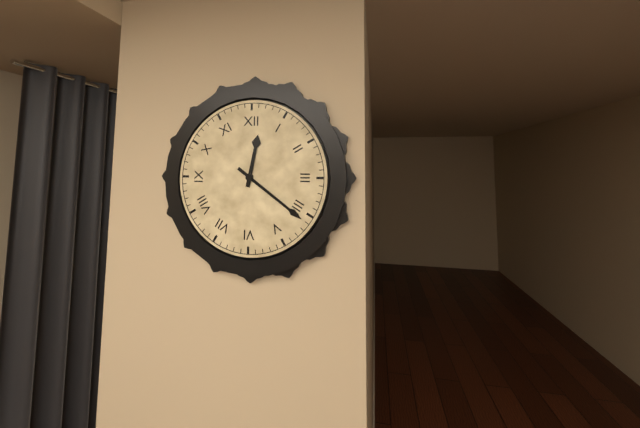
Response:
12.21
